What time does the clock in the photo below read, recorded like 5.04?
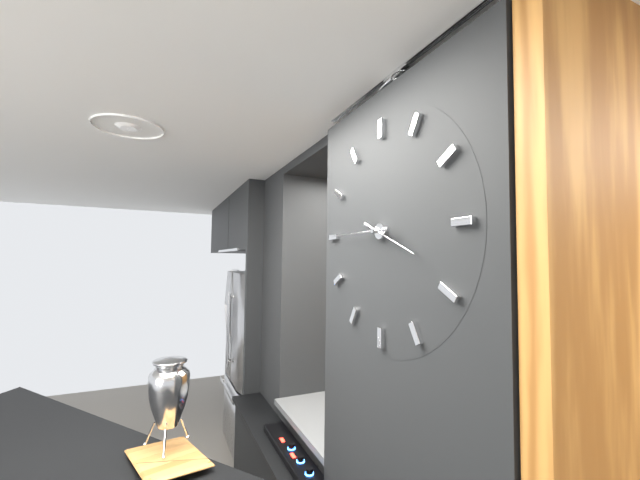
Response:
3.45
